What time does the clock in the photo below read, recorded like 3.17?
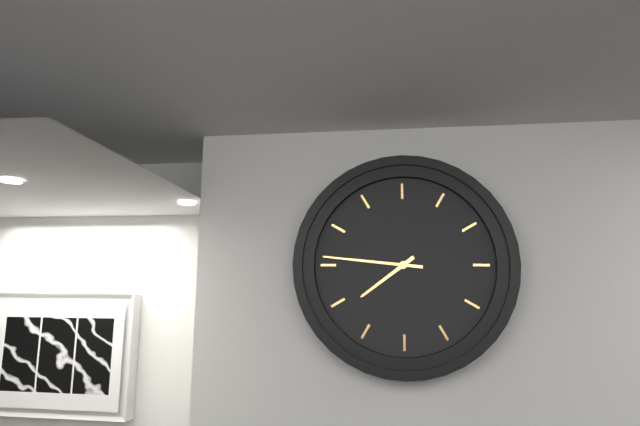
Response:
7.46
